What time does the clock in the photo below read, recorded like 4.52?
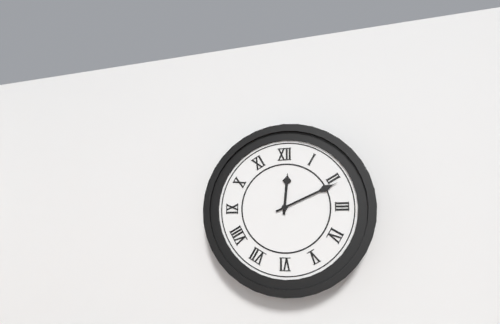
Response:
12.11
